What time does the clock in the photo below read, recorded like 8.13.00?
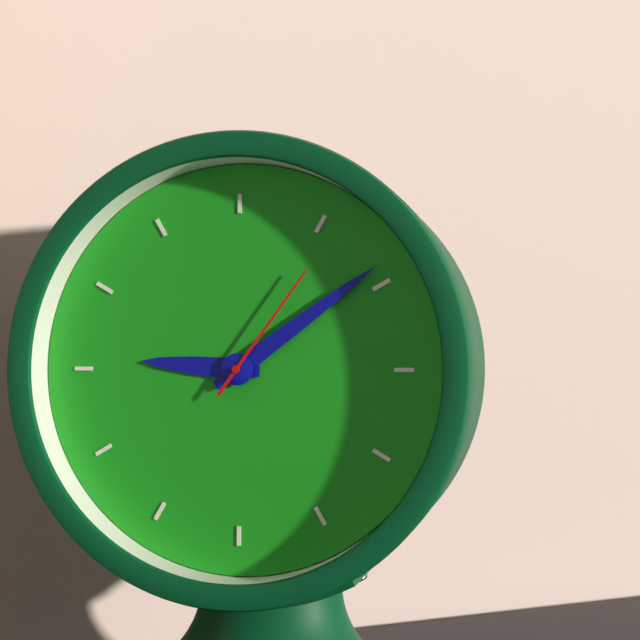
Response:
9.09.06
